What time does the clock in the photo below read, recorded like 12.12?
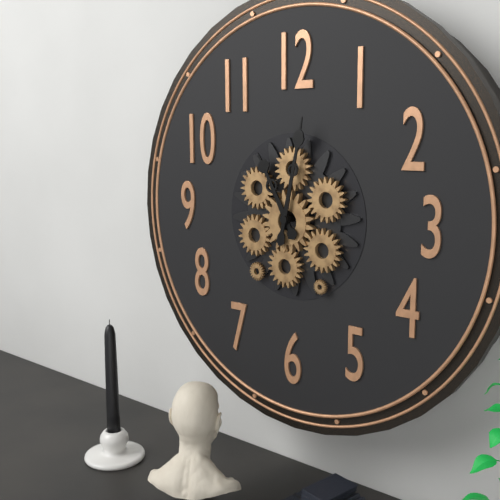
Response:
11.02
